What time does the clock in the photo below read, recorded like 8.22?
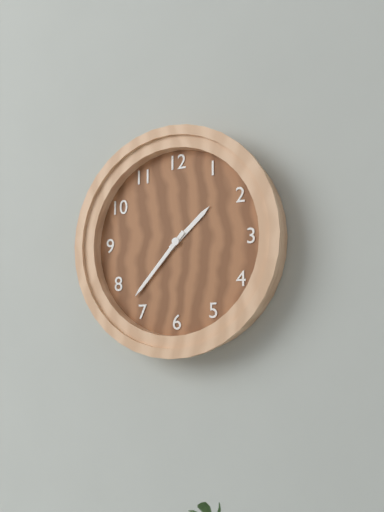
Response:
1.37
